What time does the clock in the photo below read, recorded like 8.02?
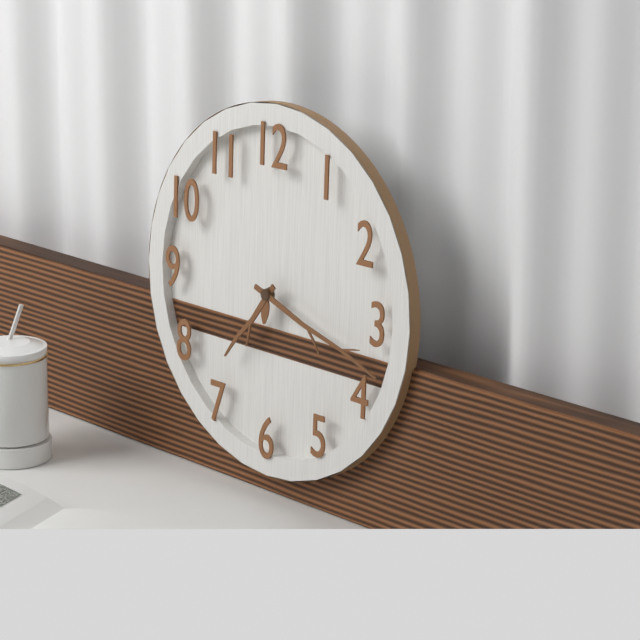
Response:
7.18
